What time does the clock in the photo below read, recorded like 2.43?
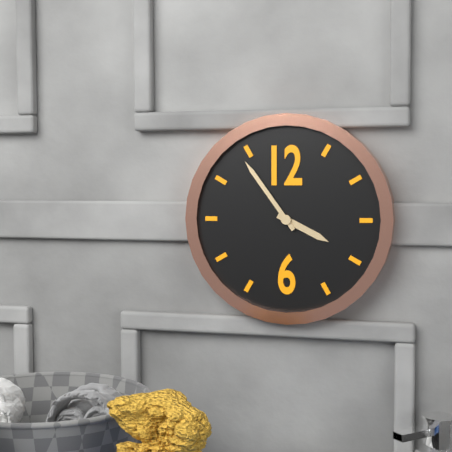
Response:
3.54
